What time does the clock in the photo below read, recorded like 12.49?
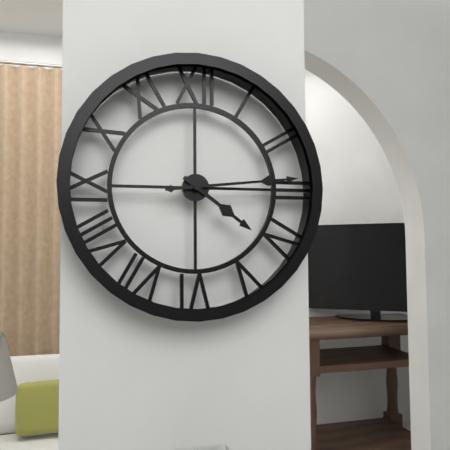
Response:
4.14
